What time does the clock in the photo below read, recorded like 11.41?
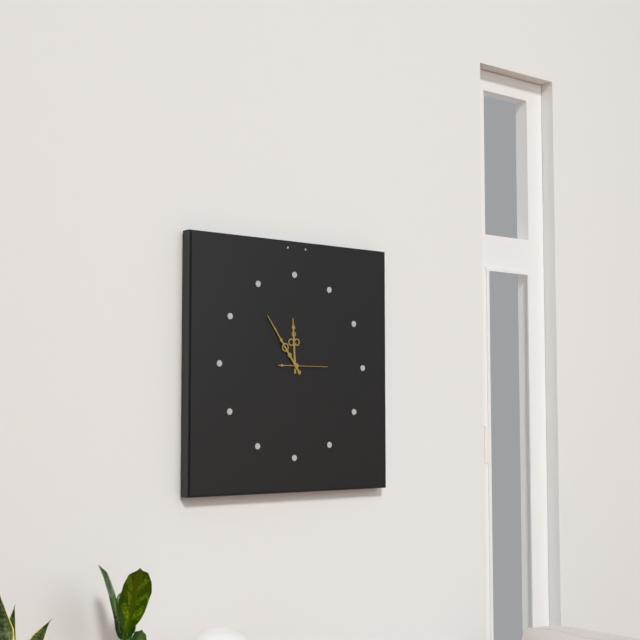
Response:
11.54
